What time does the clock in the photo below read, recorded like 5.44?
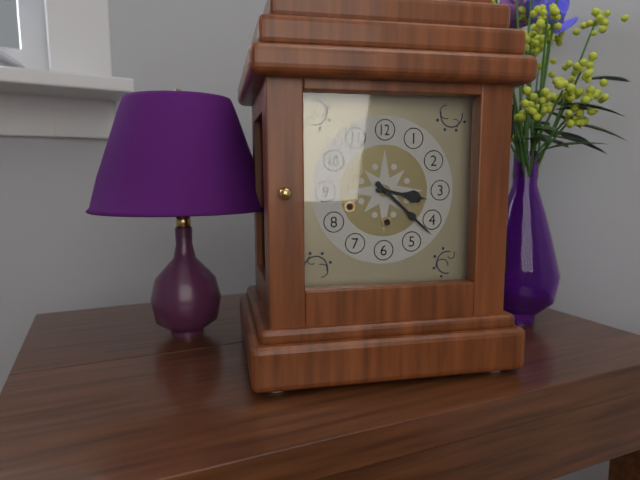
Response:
3.22
